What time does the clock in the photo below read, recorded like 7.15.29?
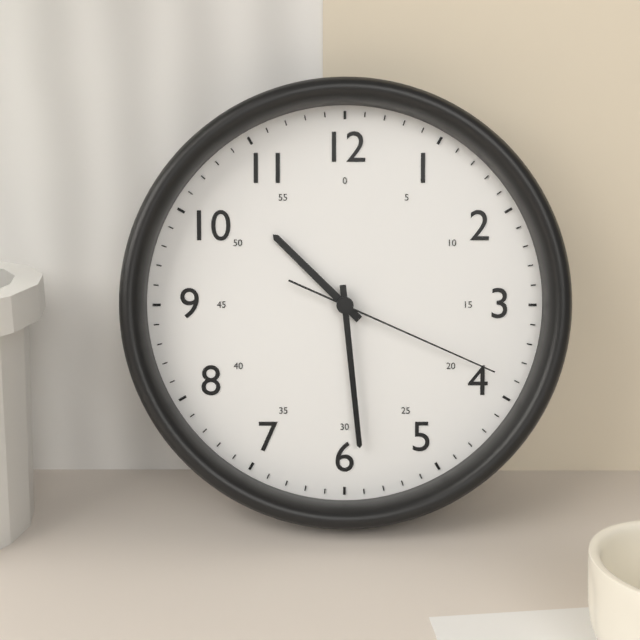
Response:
10.29.19
